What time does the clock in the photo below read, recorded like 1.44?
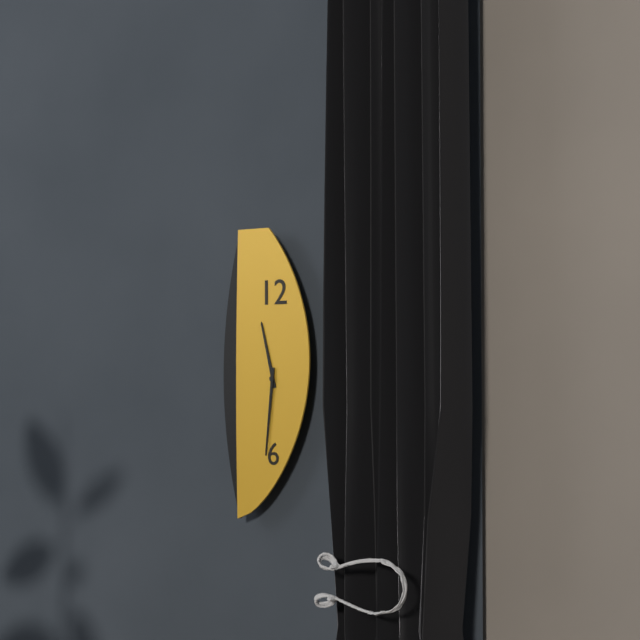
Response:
11.31
